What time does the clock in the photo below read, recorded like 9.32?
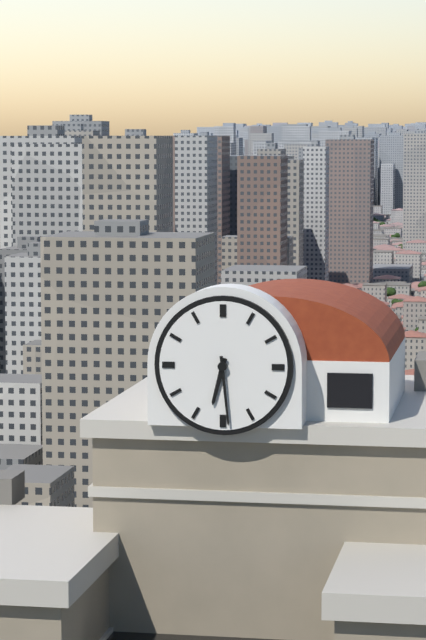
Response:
6.29
